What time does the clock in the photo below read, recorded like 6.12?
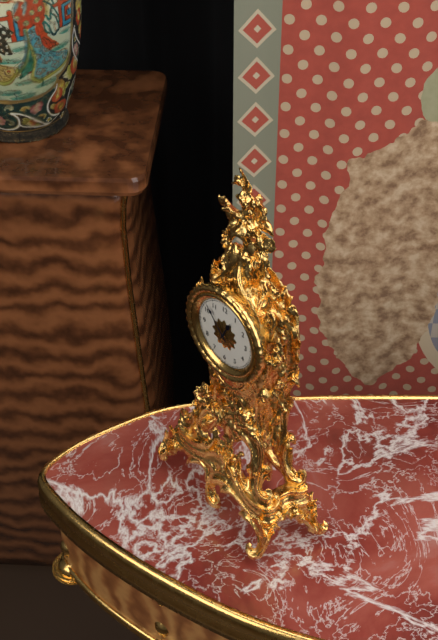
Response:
12.53
